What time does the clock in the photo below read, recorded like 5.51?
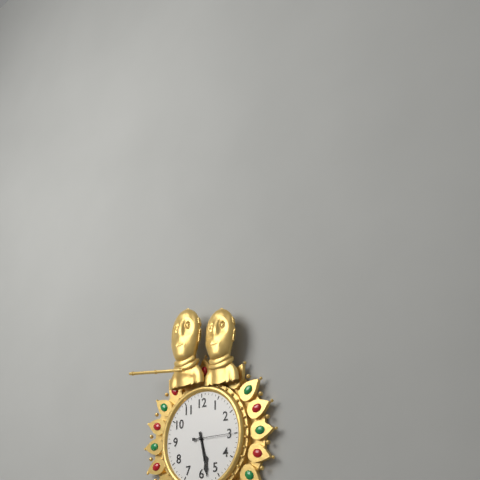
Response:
5.28
